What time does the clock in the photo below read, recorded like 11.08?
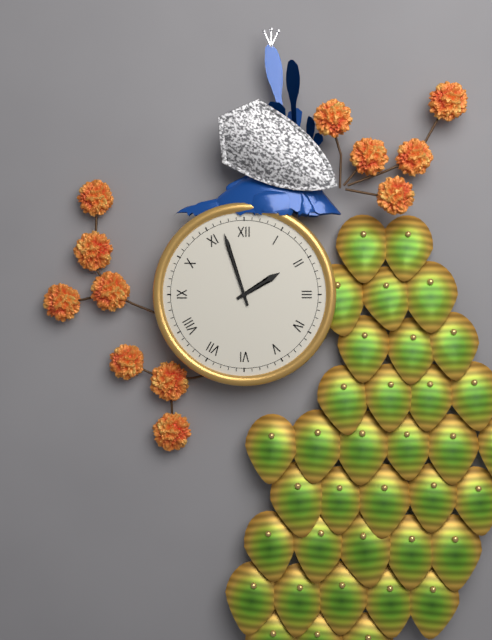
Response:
1.57
